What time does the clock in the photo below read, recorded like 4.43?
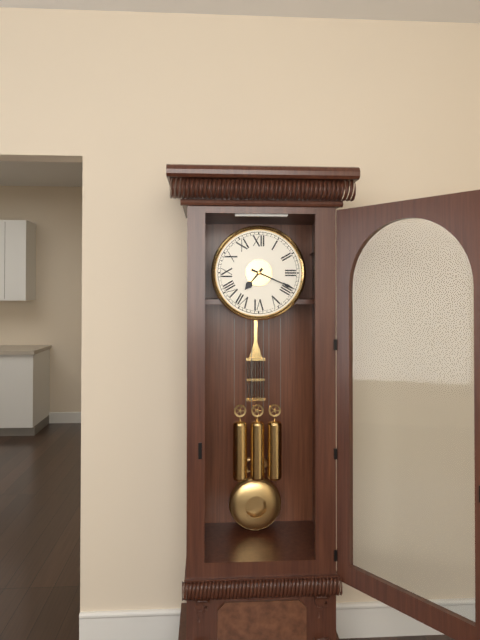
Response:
7.19
